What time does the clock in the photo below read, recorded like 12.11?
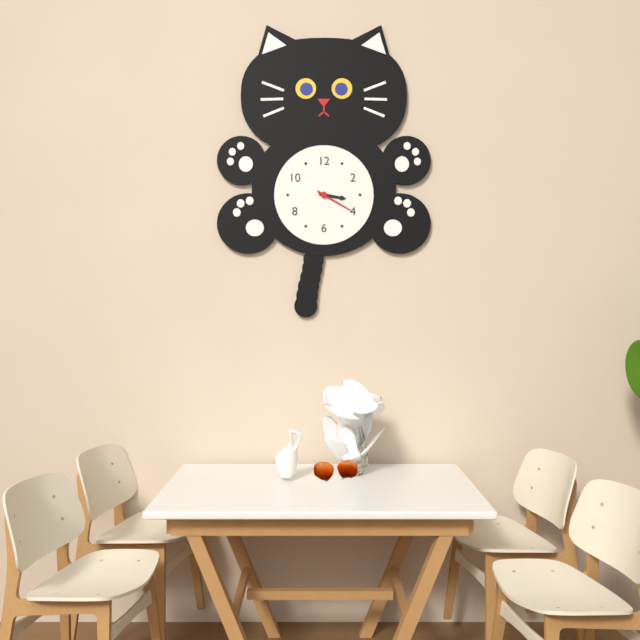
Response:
3.20
